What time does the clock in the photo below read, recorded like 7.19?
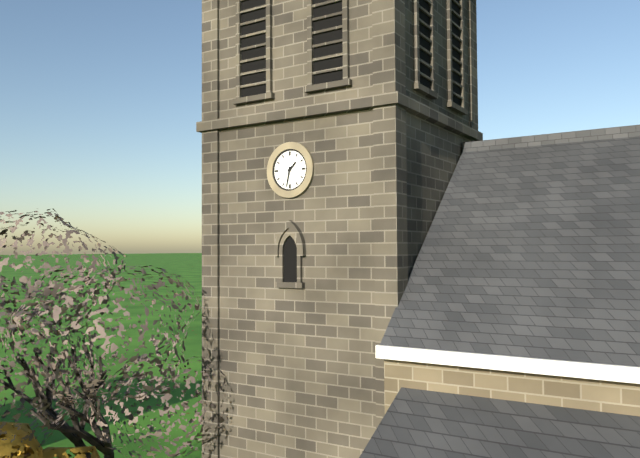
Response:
1.32
